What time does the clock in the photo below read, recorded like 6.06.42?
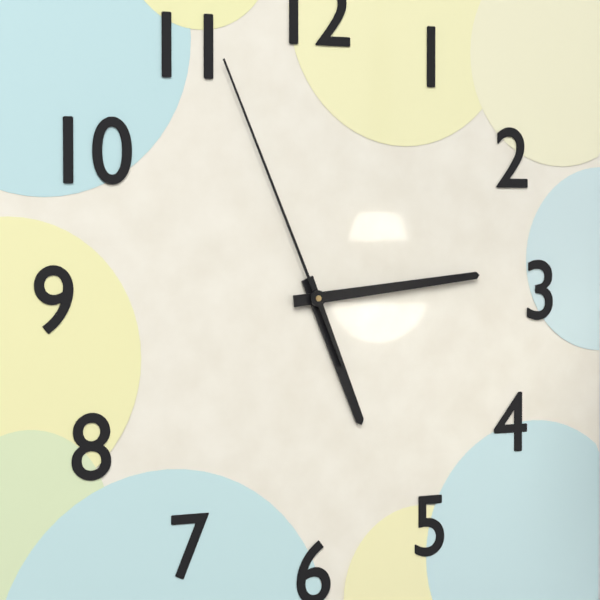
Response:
5.14.56
